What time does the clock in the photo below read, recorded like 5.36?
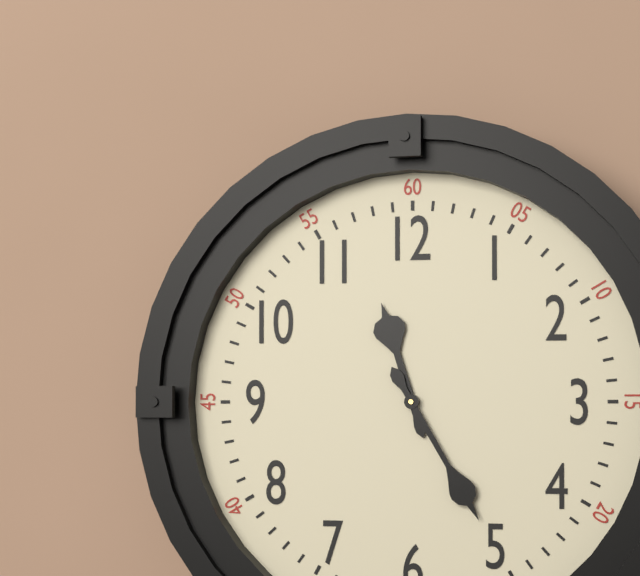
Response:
11.25
